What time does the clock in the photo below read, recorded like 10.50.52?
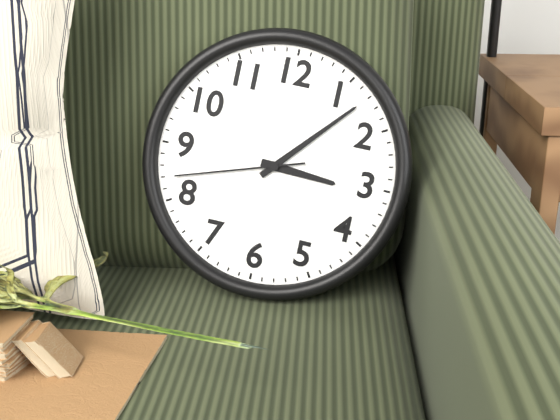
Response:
3.07.42
